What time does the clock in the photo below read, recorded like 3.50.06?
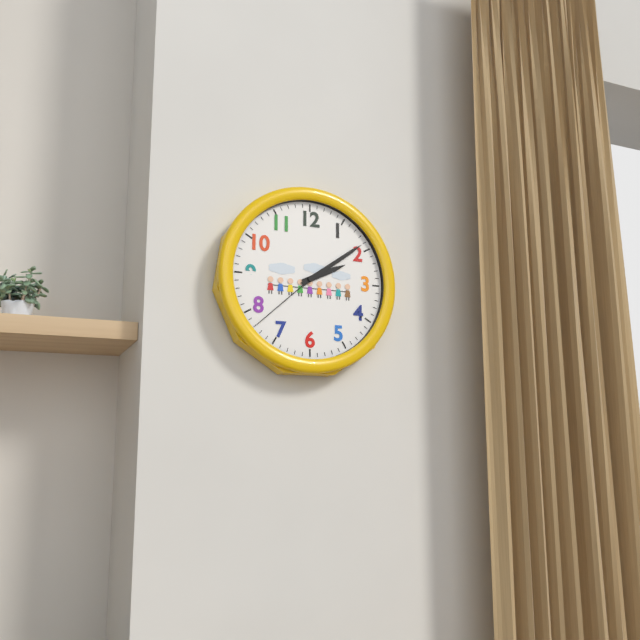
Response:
2.09.38
